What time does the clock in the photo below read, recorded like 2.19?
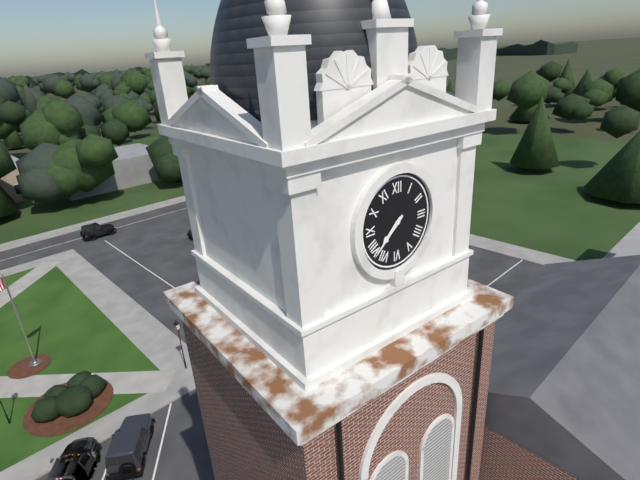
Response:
7.38
